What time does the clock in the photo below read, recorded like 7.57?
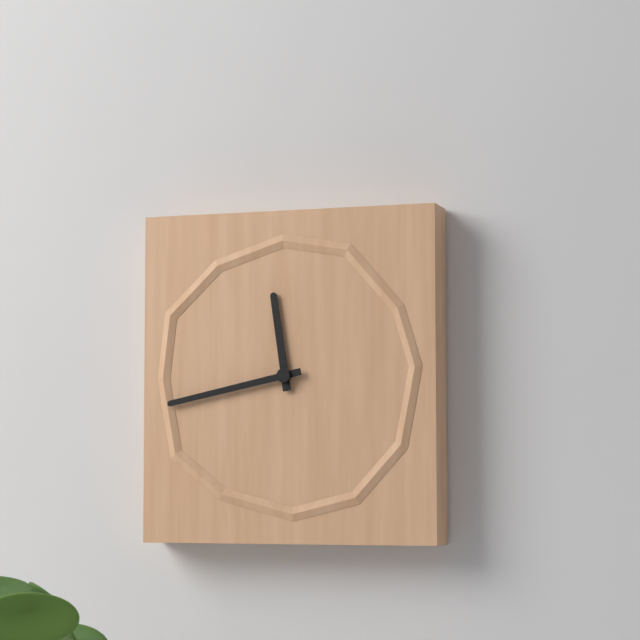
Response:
11.43
